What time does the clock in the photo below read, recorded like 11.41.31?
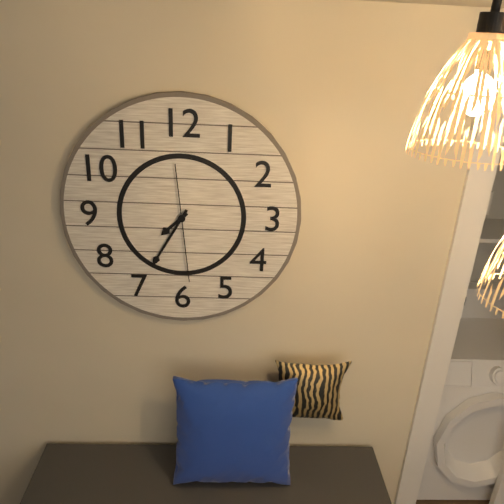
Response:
7.35.29
